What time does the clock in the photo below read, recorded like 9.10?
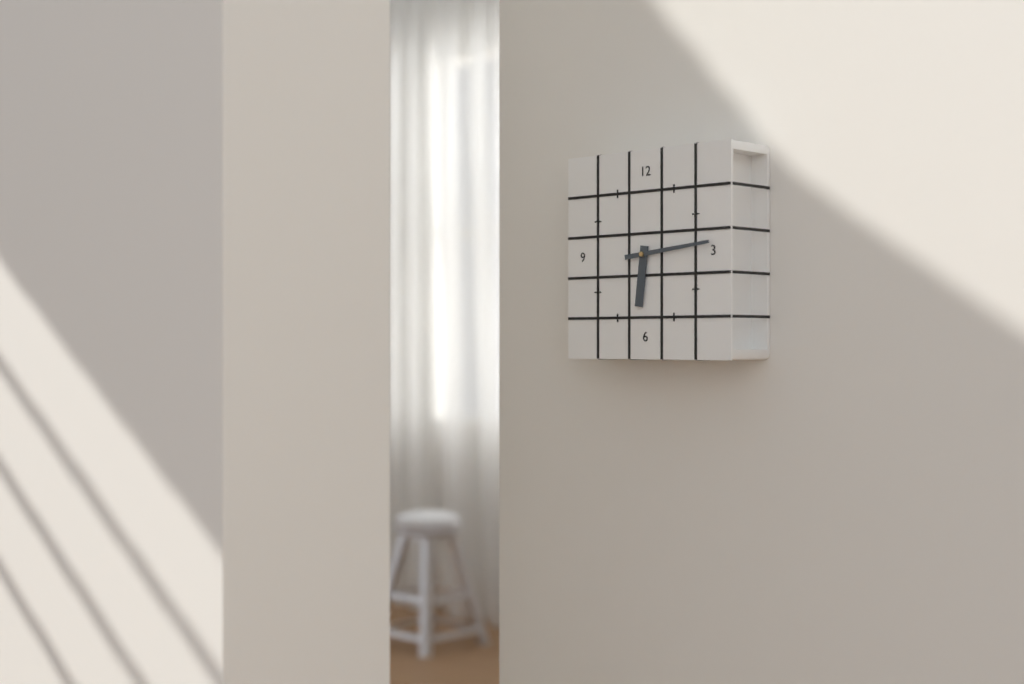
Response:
6.14
